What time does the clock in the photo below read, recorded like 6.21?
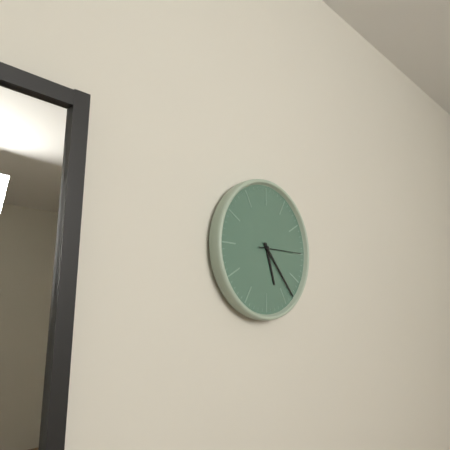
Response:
5.23
